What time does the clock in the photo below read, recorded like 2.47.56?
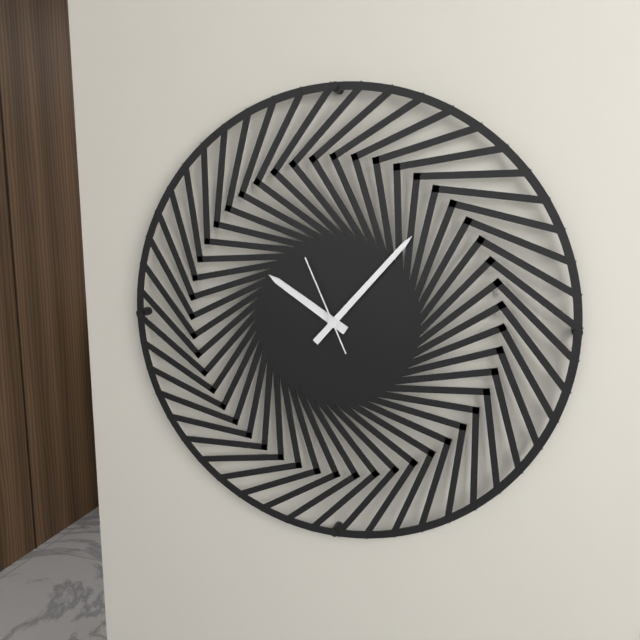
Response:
10.07.56
